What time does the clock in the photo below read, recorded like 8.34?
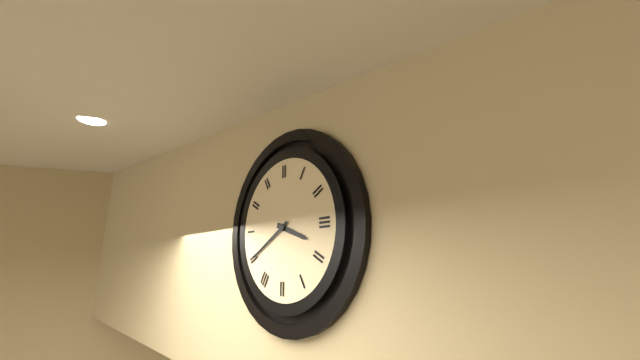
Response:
3.40
